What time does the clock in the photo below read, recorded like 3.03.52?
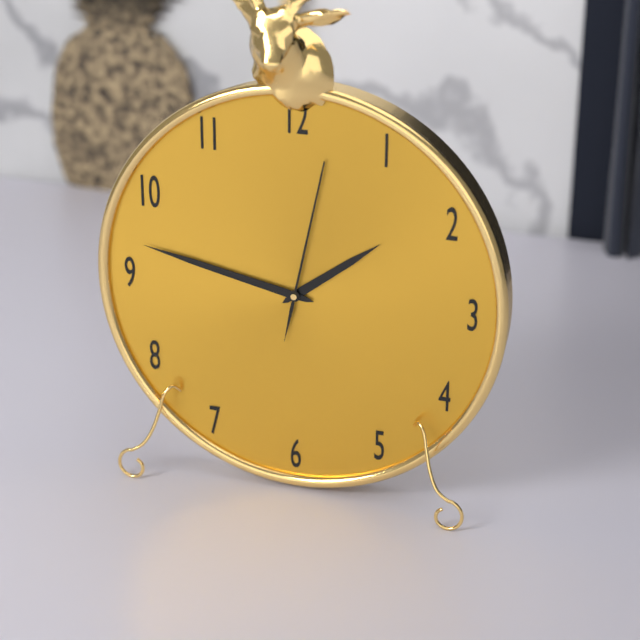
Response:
1.47.02
